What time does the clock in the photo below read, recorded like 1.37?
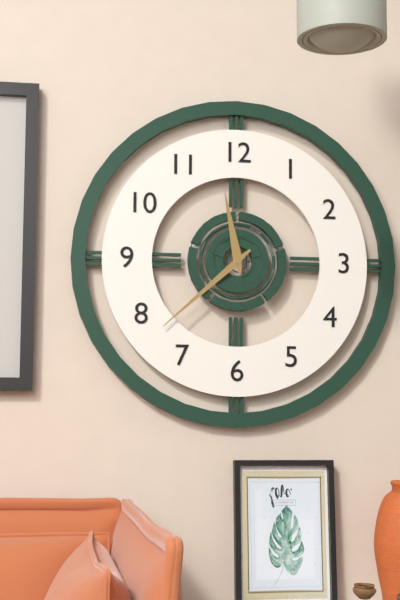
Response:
11.38
